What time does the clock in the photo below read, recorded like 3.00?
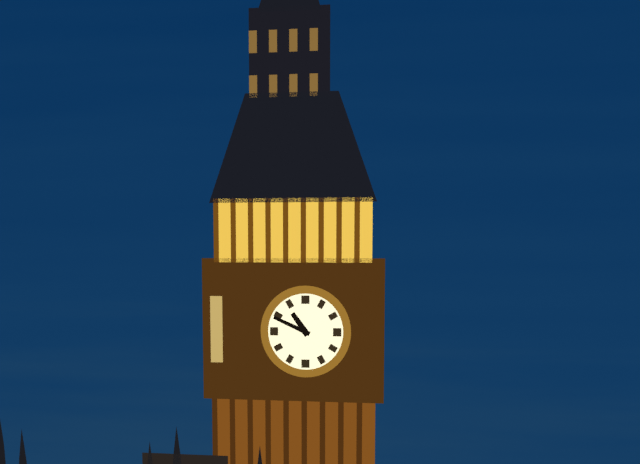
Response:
10.49
